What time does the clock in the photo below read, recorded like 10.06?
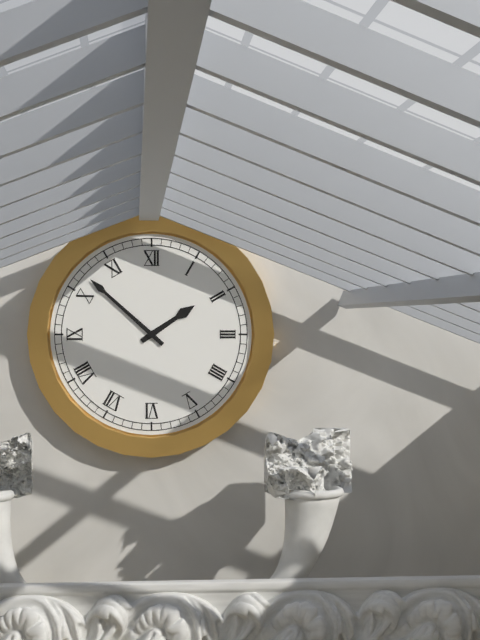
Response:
1.52
